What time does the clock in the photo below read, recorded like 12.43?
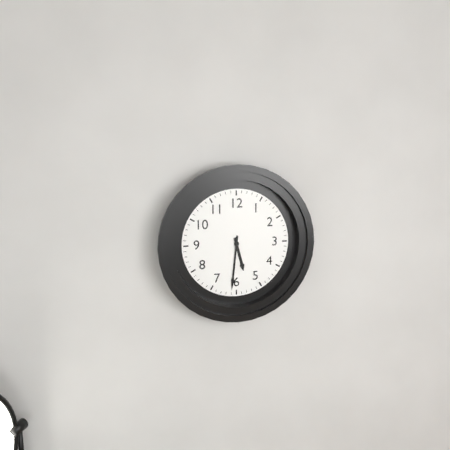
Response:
5.31
